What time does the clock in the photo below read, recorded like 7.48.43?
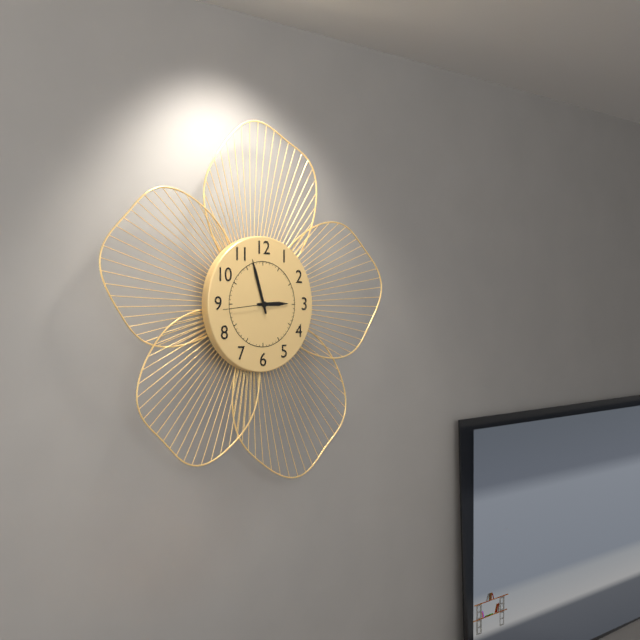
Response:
2.57.44
